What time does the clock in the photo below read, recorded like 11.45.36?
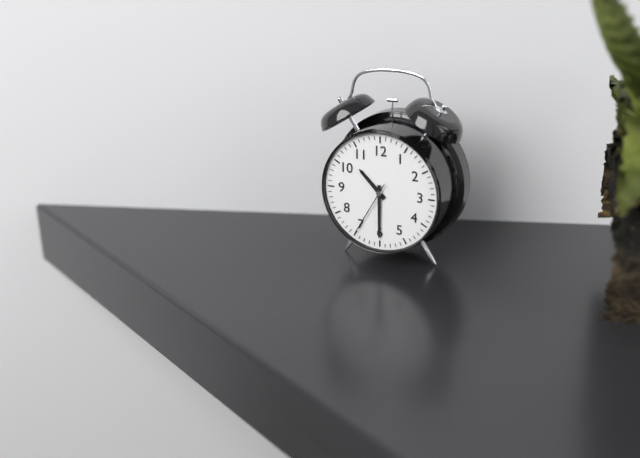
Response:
10.30.35
